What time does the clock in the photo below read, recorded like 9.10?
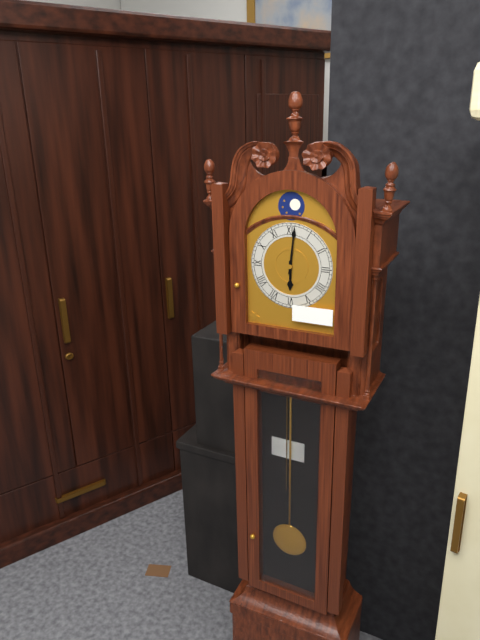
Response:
6.01
